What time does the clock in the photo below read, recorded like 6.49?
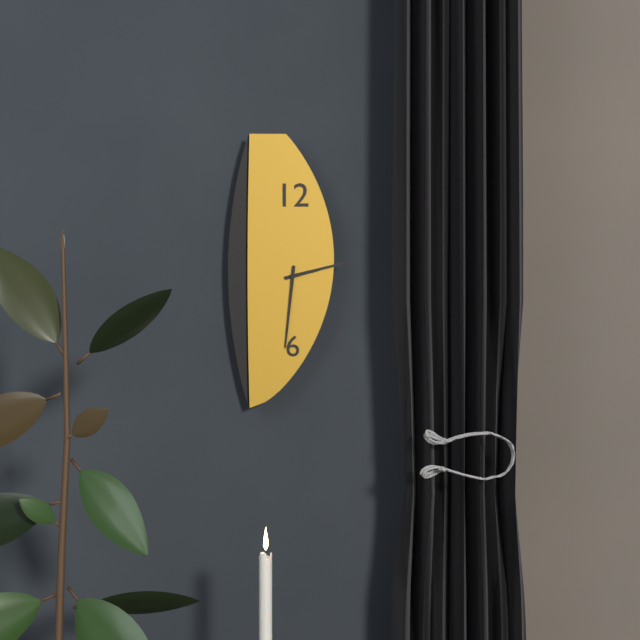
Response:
2.31
